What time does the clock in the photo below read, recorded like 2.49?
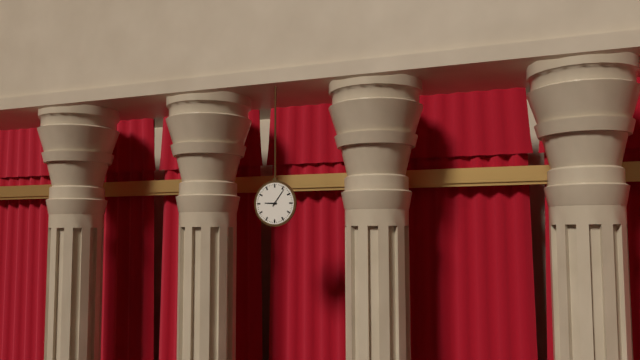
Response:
9.06
